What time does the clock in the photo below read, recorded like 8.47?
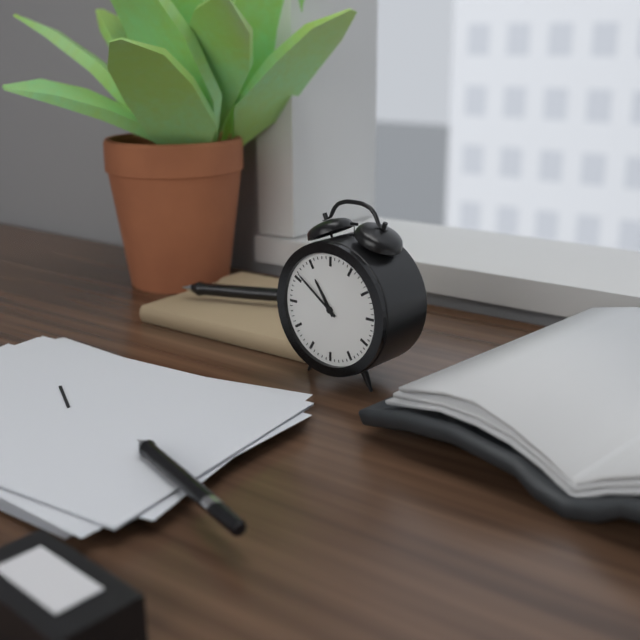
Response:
10.51
